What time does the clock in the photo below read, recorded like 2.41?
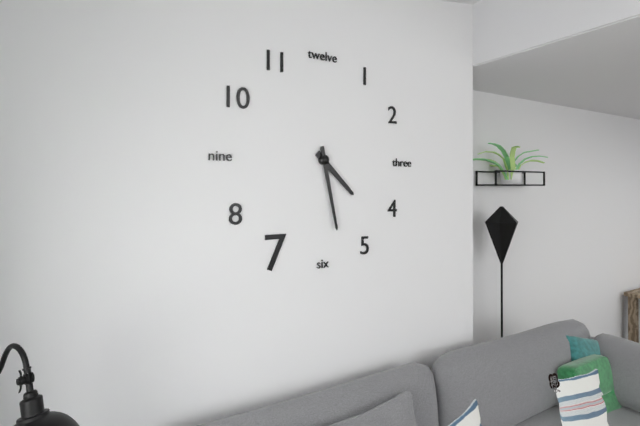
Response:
4.28
